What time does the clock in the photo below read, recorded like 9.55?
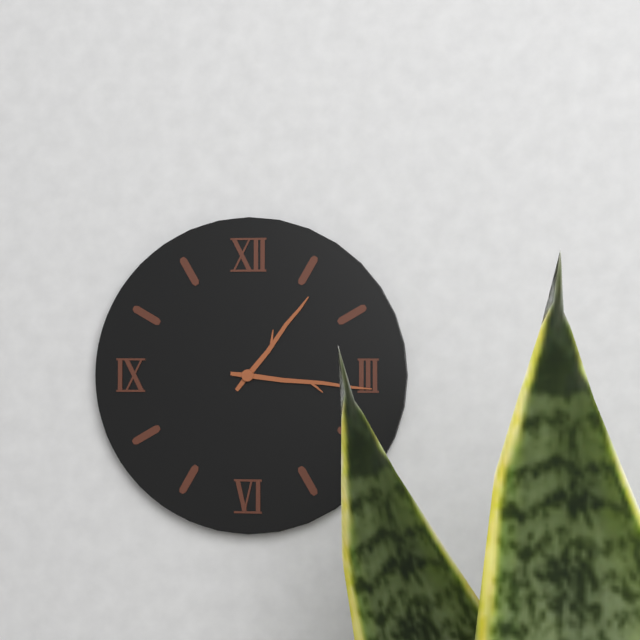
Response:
1.16
